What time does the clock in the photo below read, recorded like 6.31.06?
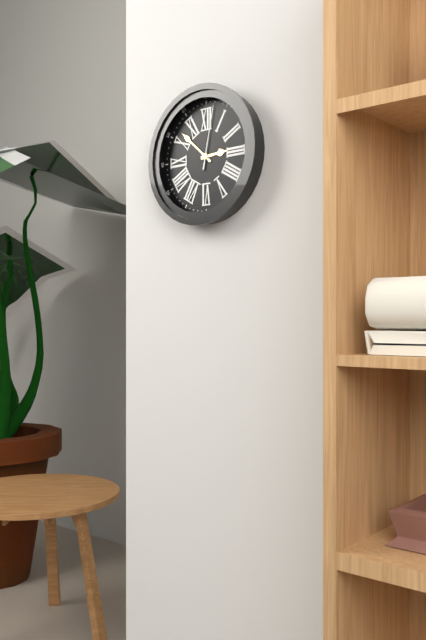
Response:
2.52.02
